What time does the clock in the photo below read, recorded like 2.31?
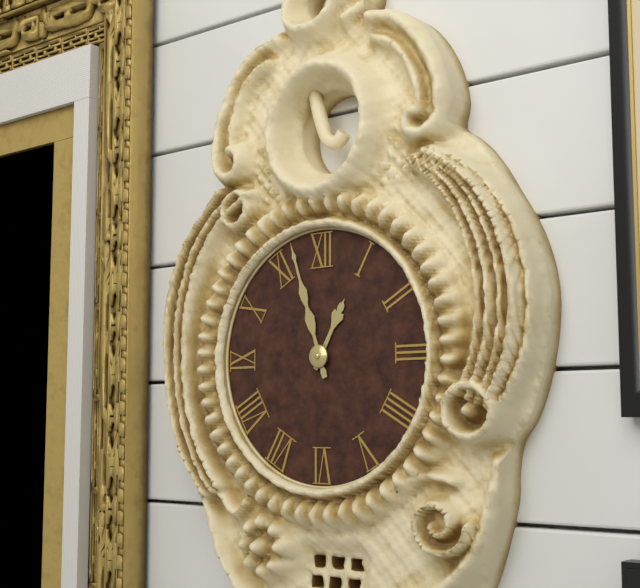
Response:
12.57
